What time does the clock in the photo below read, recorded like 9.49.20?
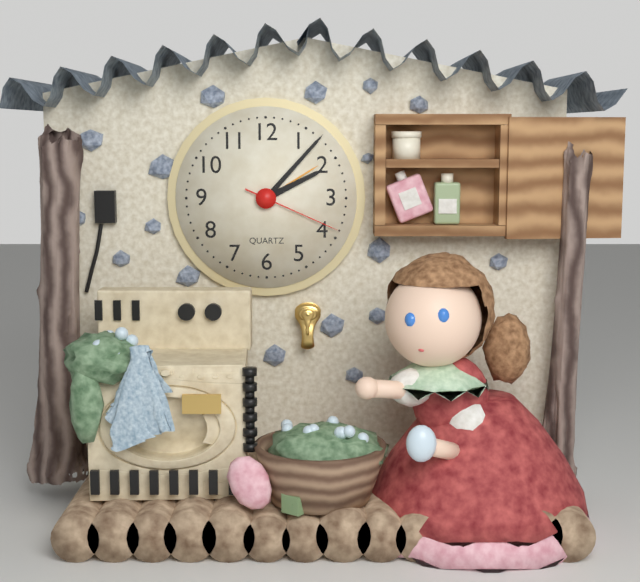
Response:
2.07.19
